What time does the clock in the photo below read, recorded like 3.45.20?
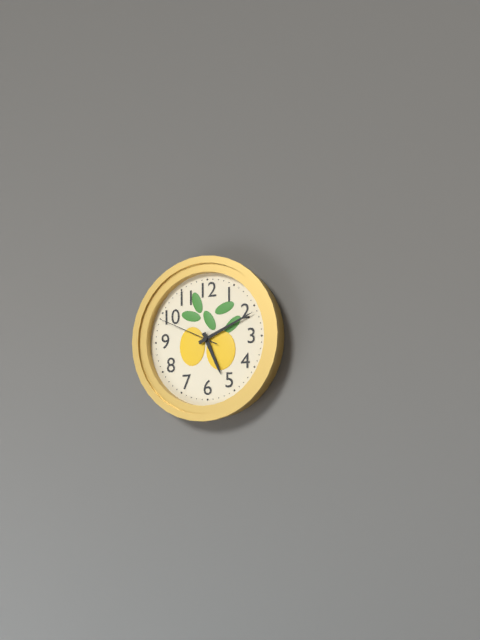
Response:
5.11.49
